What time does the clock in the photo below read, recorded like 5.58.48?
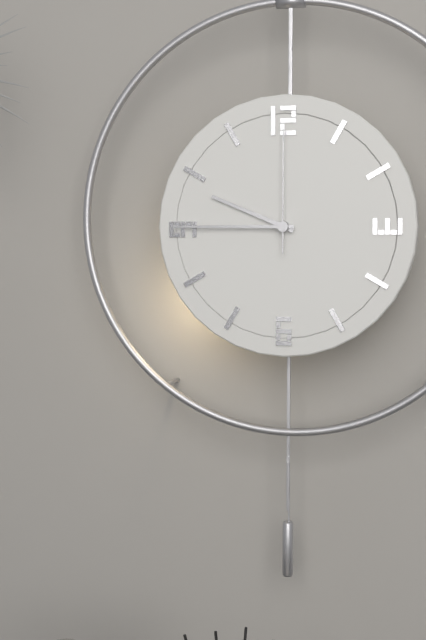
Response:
9.45.00
